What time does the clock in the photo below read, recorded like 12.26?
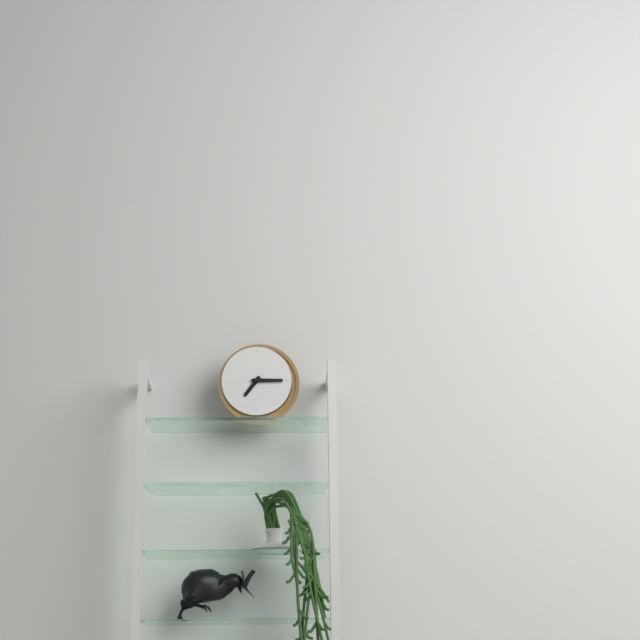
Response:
7.15
